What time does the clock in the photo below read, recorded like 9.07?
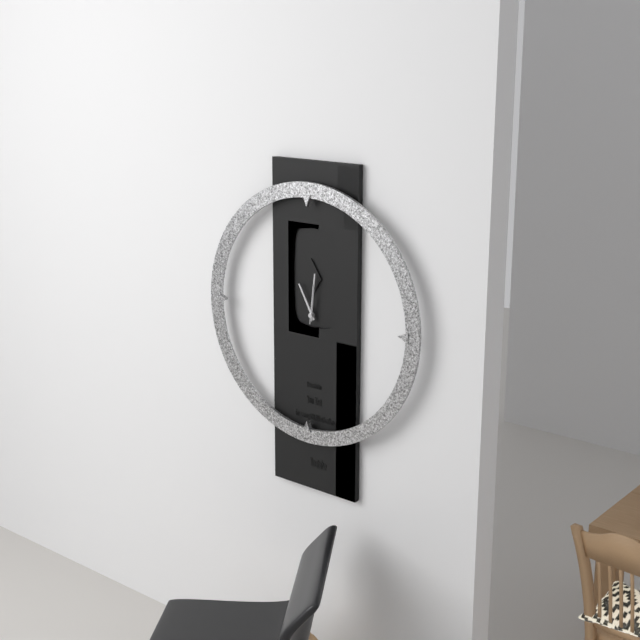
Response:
11.01
